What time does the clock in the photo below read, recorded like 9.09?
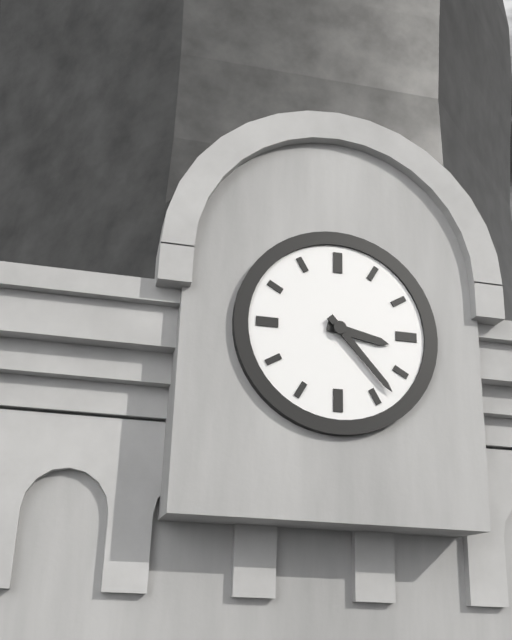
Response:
3.23
